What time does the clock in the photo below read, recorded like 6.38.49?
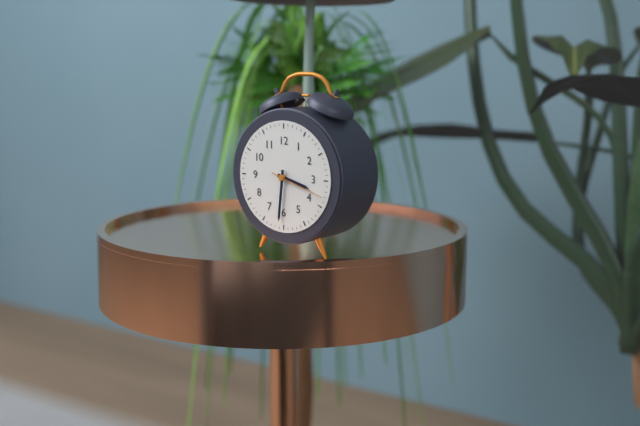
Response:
3.31.18
